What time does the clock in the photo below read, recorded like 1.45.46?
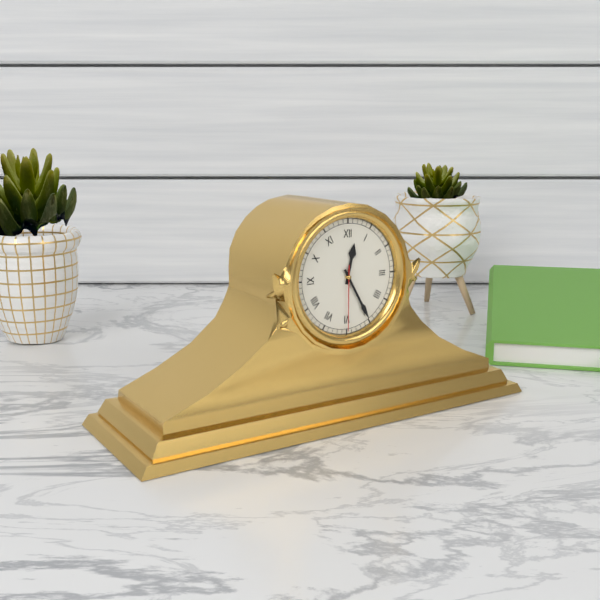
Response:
12.25.30
